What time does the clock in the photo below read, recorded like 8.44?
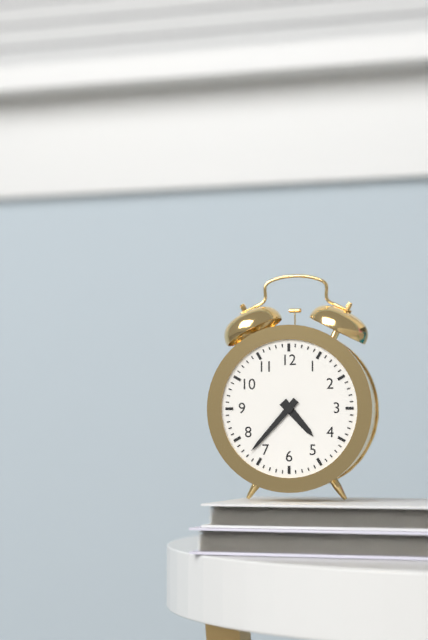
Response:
4.37
